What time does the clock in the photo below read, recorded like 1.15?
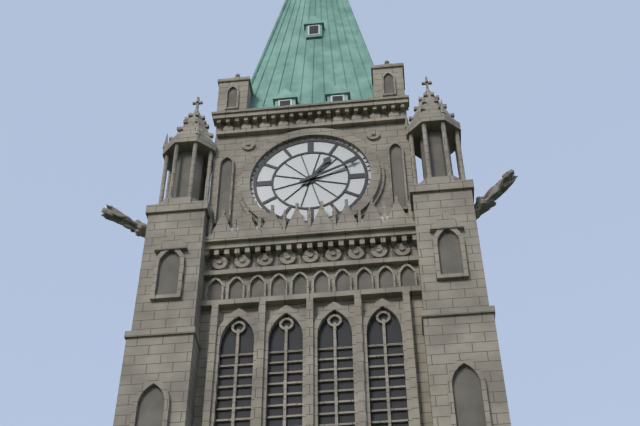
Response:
1.11
